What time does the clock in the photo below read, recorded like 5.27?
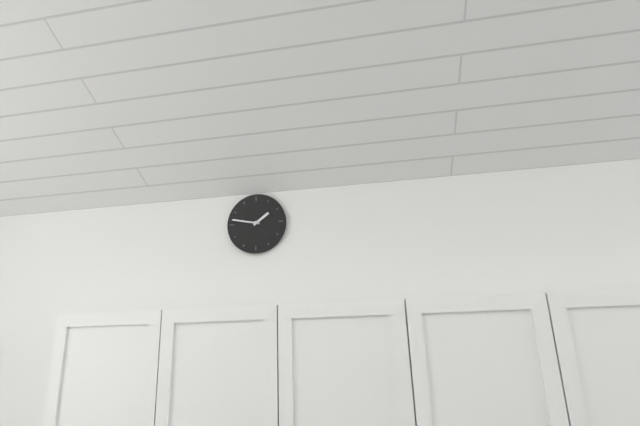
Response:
1.47
